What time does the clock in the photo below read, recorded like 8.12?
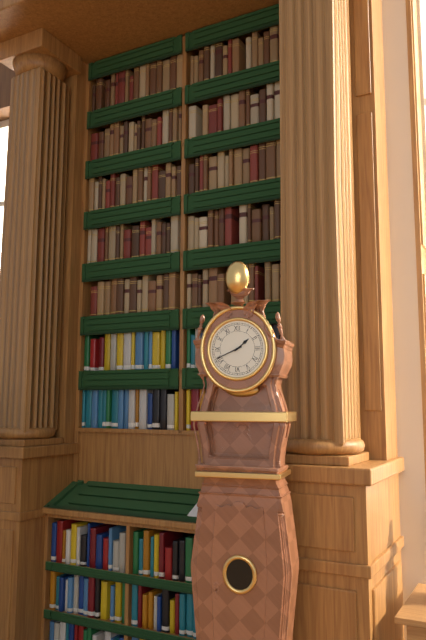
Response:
1.41
